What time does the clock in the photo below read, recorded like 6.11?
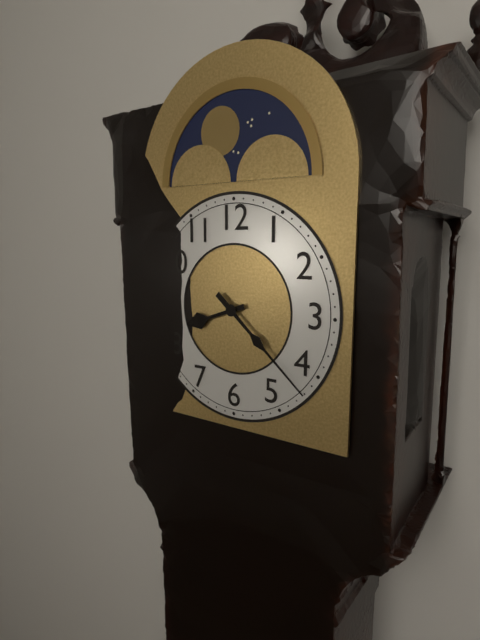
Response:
8.22
